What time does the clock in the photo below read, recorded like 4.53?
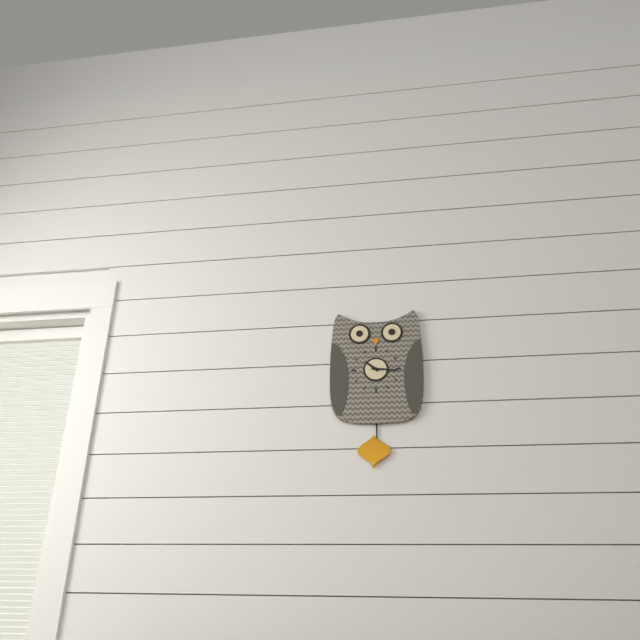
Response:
10.16
